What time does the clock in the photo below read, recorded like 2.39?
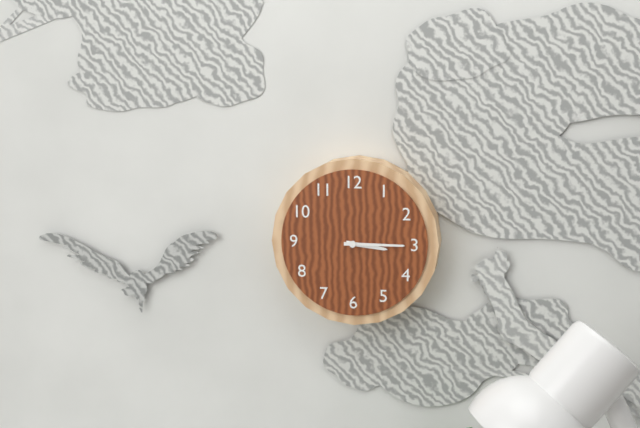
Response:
3.15
